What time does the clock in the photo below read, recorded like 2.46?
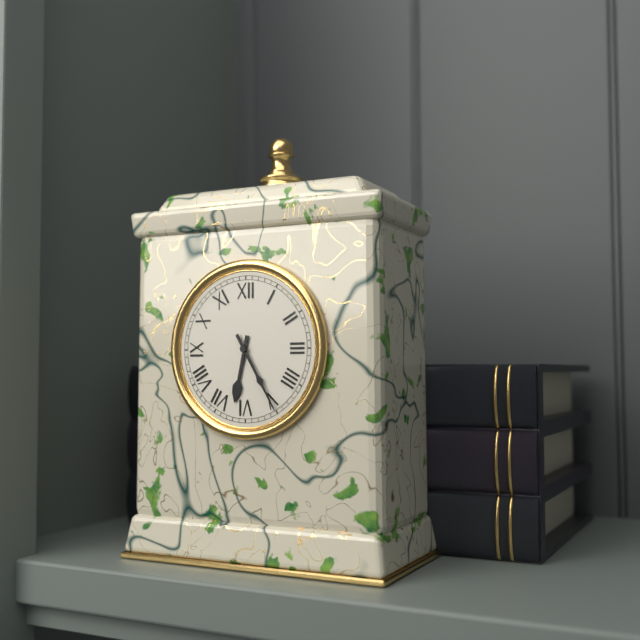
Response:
6.25
